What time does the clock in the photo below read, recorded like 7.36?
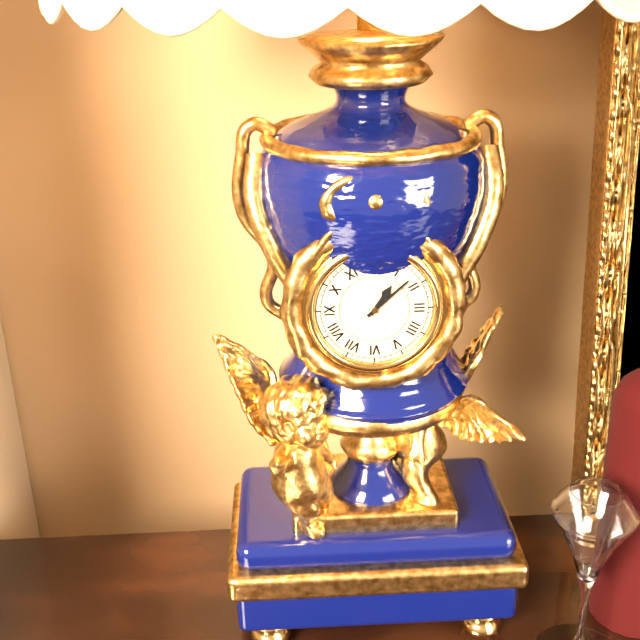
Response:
1.08
